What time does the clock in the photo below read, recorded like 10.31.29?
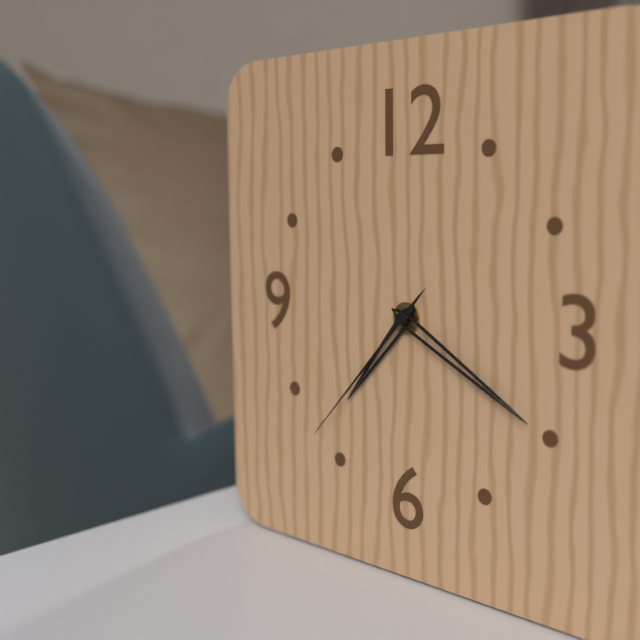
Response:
7.20.37
